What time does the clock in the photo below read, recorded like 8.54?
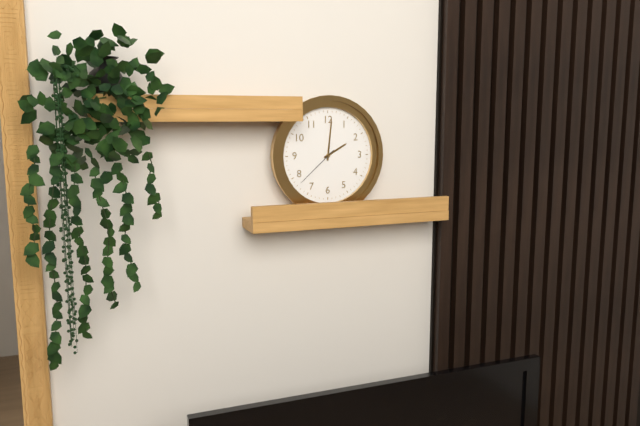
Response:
2.01
